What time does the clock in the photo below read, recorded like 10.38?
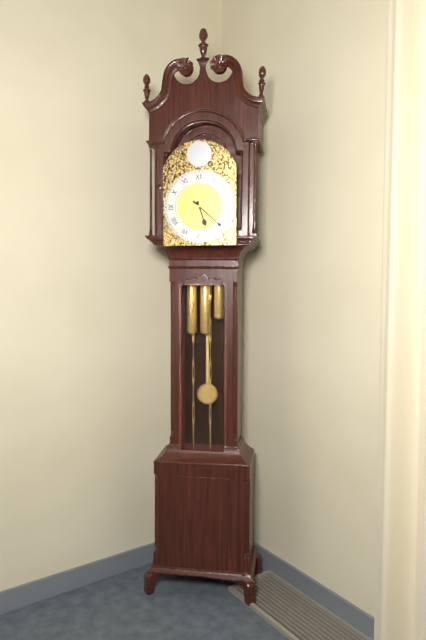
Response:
5.22
